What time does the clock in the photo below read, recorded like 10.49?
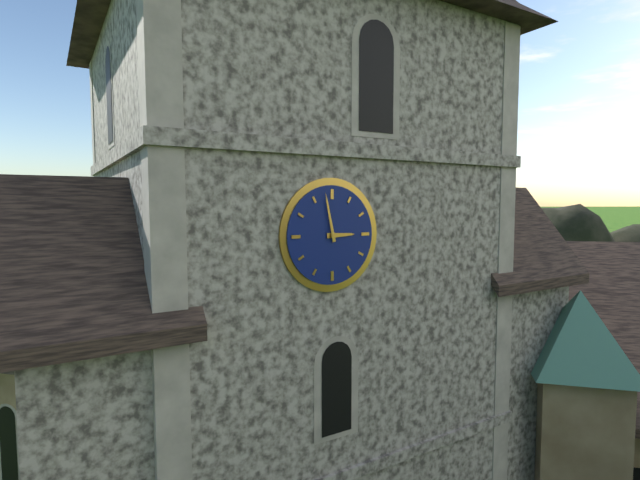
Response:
2.58
